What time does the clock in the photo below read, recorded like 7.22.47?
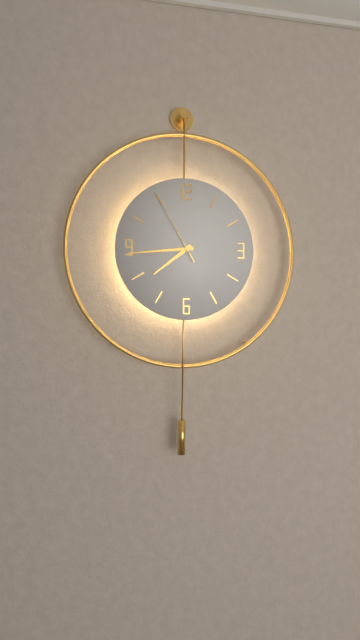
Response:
7.44.55
